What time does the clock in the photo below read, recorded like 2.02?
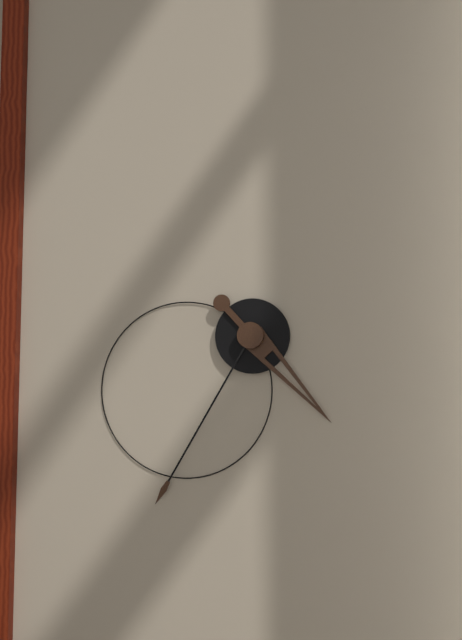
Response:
4.35
